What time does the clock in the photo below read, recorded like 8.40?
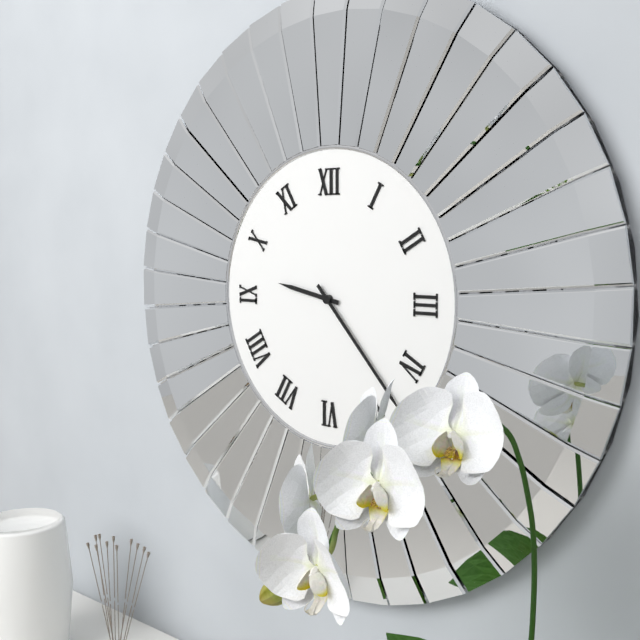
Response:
9.23
